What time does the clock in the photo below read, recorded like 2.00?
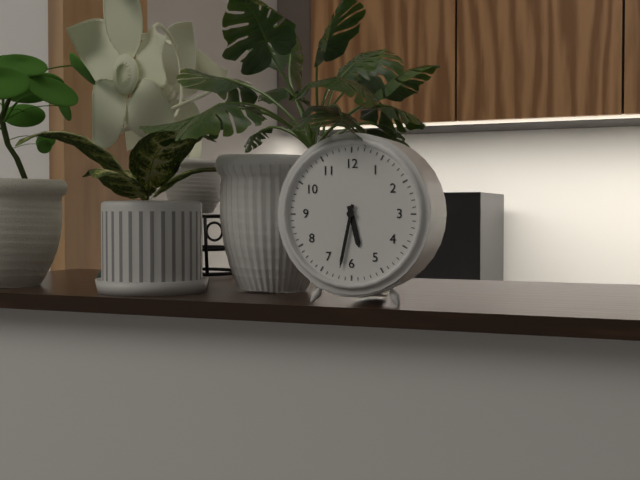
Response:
5.32
